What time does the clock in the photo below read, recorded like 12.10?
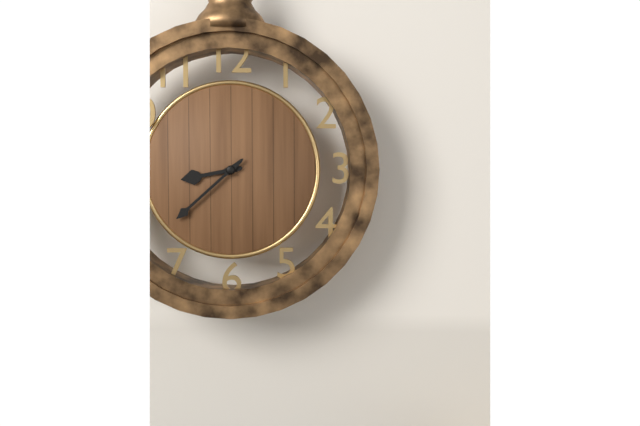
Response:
8.38
